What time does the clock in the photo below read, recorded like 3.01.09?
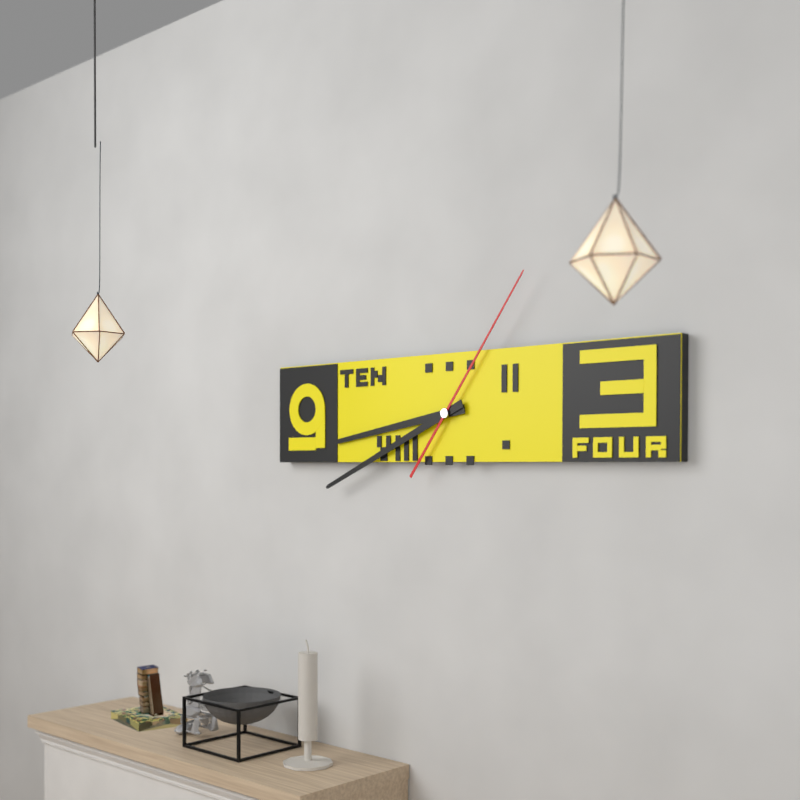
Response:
8.41.06
